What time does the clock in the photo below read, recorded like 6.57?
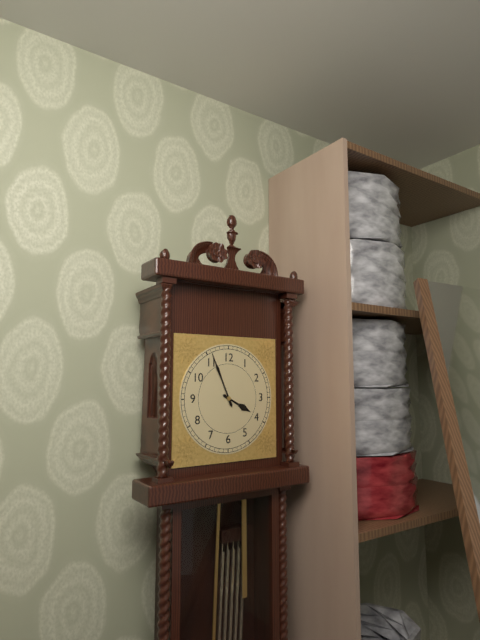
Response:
3.56
